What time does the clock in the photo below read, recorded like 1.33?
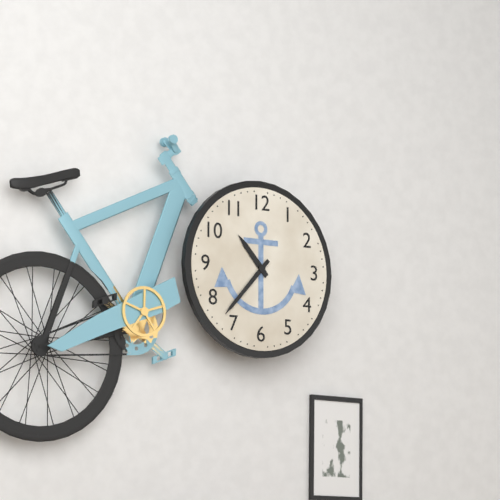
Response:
10.37
